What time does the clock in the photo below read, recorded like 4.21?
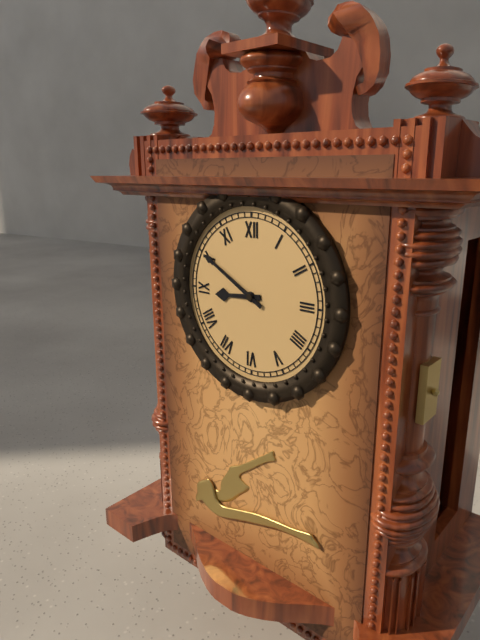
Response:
8.50
